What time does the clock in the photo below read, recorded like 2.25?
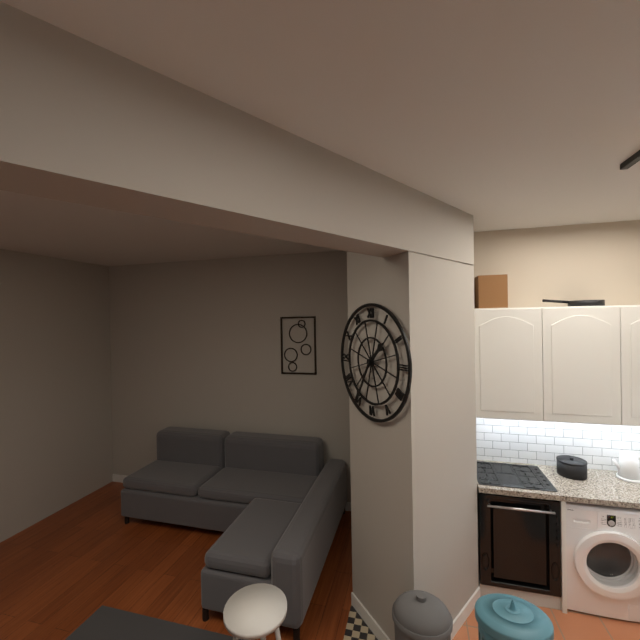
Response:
1.35
